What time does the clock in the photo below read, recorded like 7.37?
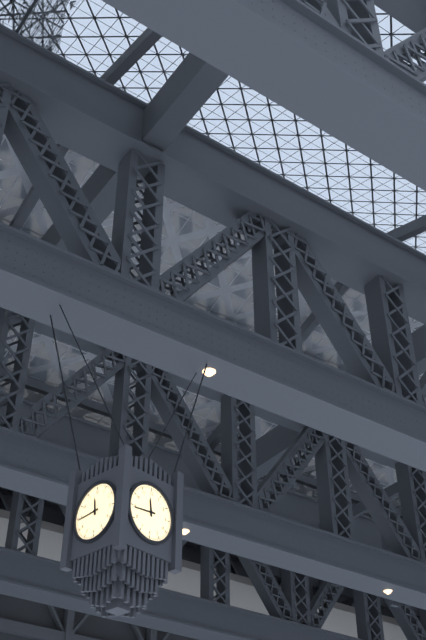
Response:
11.44
